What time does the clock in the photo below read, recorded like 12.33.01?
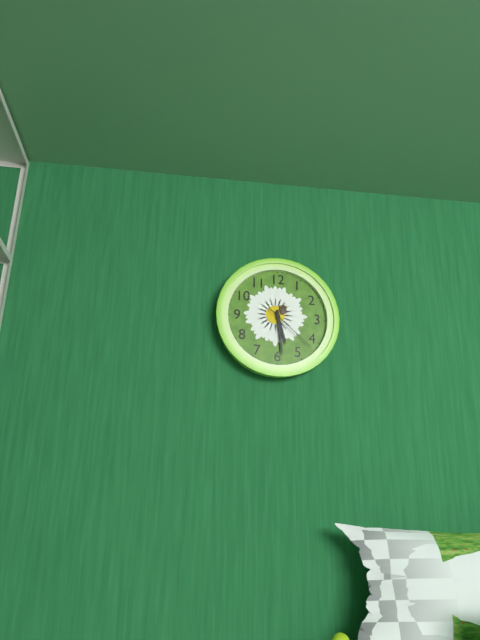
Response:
5.29.22
